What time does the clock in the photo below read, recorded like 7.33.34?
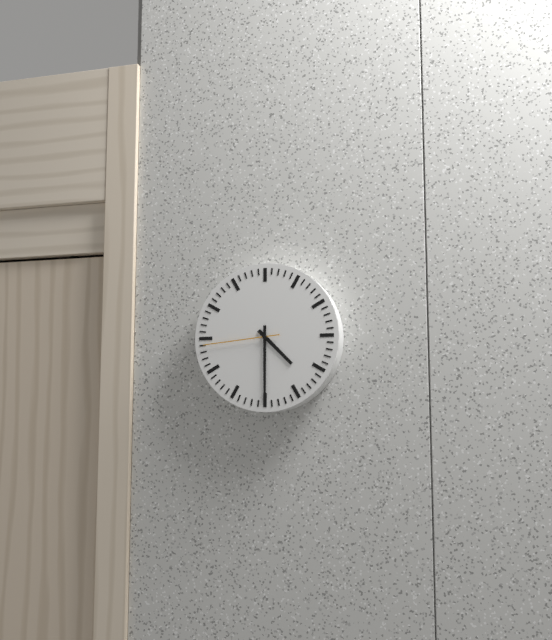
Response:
4.30.44
